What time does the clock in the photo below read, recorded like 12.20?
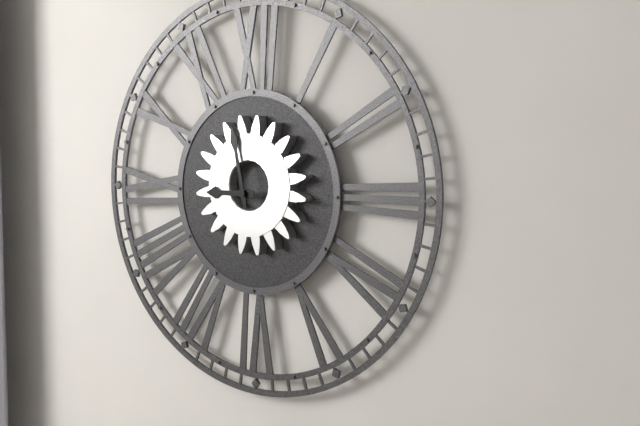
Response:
8.58
